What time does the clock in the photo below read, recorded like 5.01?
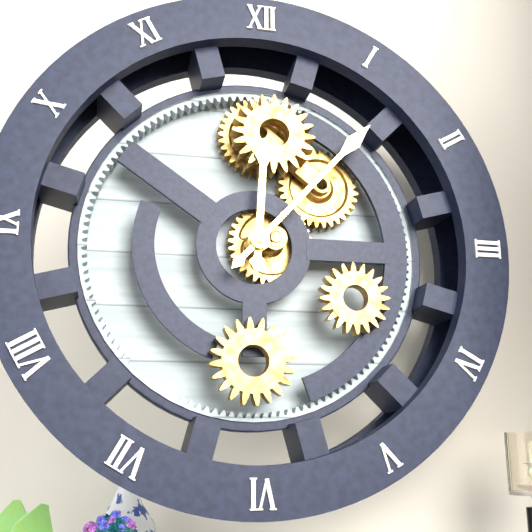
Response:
12.07
